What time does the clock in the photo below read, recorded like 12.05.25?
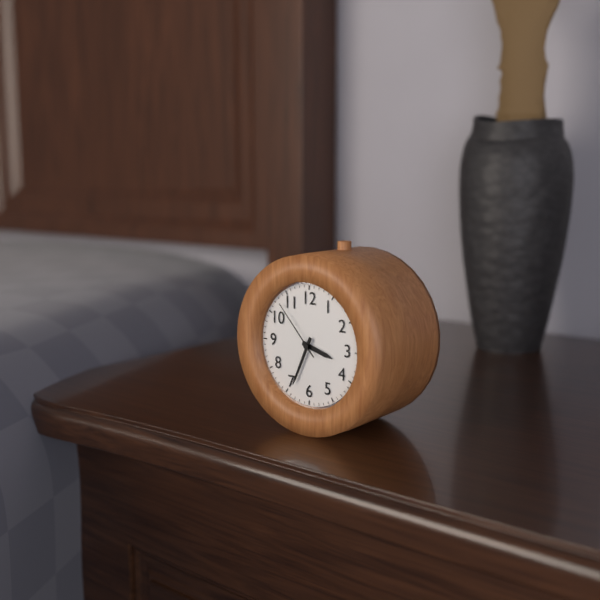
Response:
3.34.53
